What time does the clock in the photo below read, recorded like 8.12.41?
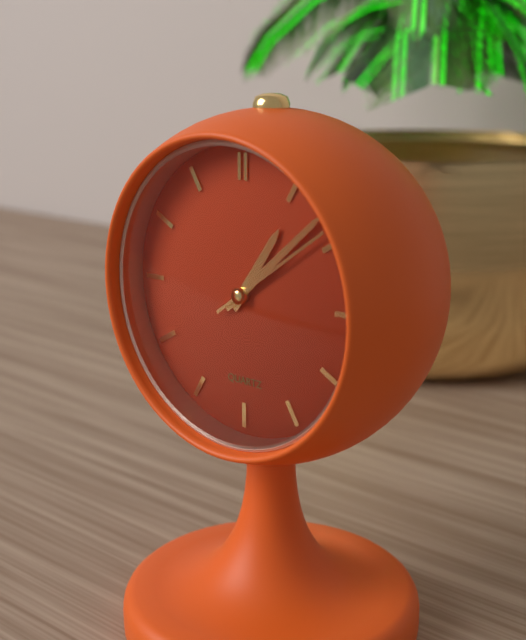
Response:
1.08.09
